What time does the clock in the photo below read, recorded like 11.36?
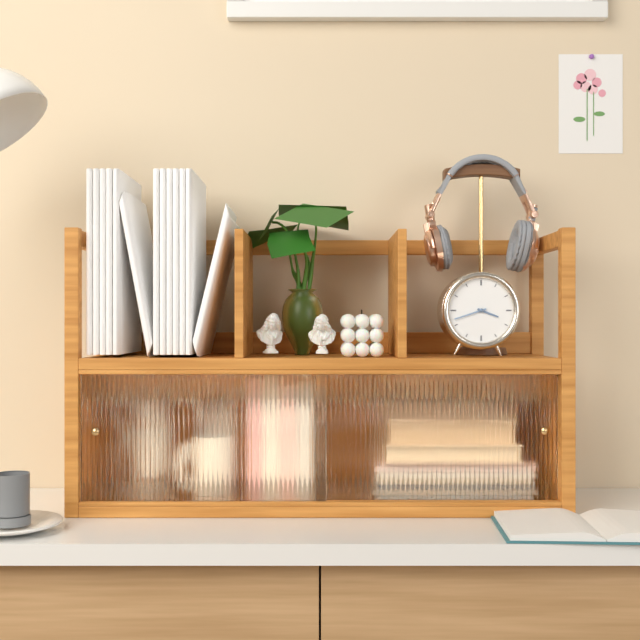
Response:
3.42
